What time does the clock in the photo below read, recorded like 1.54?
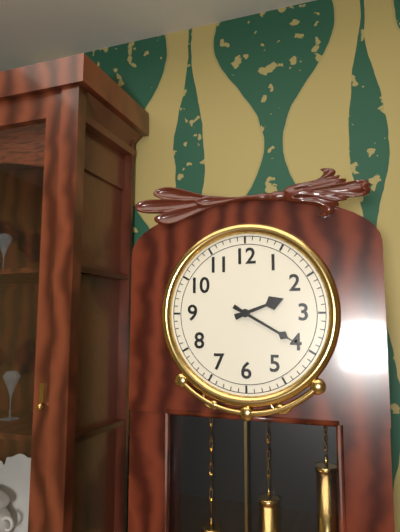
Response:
2.20
